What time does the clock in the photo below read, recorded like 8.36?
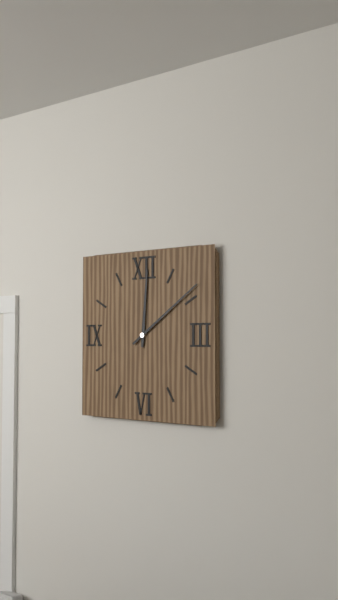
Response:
12.09
